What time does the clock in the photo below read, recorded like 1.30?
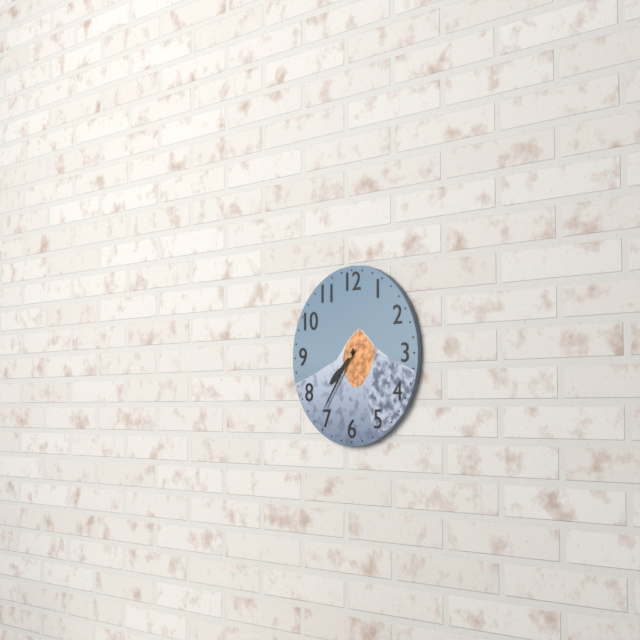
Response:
7.36
